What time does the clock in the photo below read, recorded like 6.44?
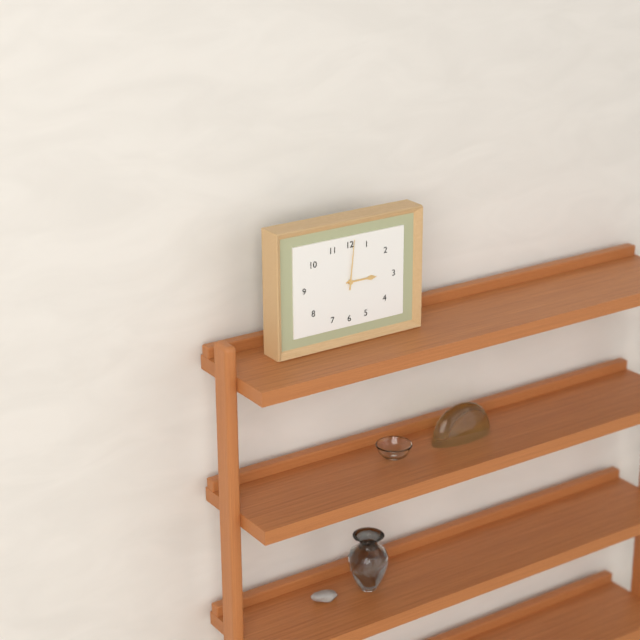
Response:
3.01
